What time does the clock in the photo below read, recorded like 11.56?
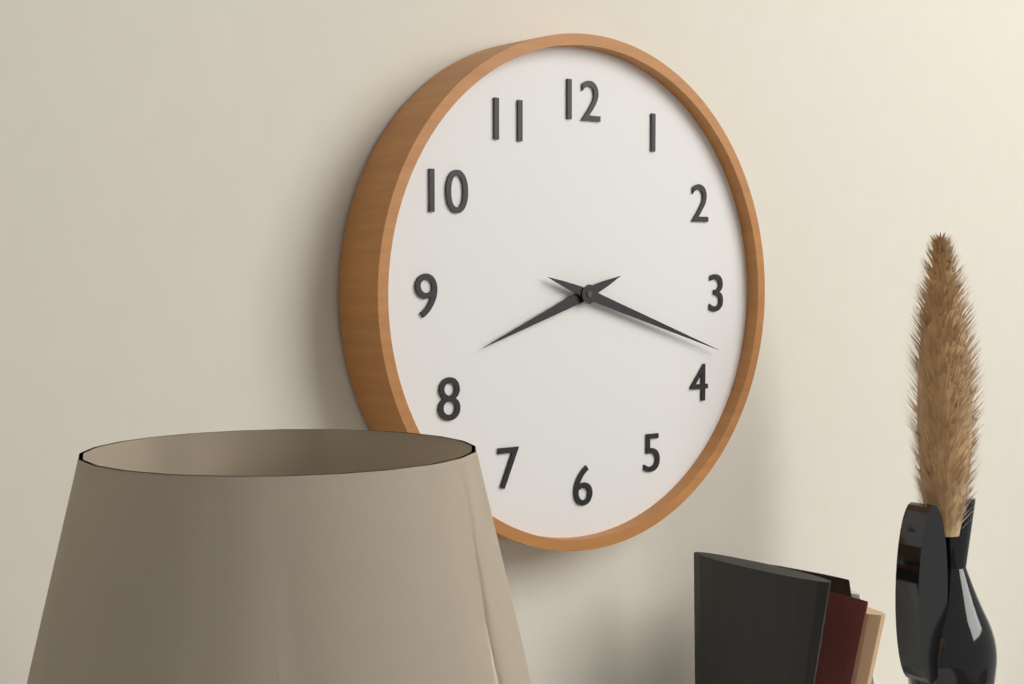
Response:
8.18
